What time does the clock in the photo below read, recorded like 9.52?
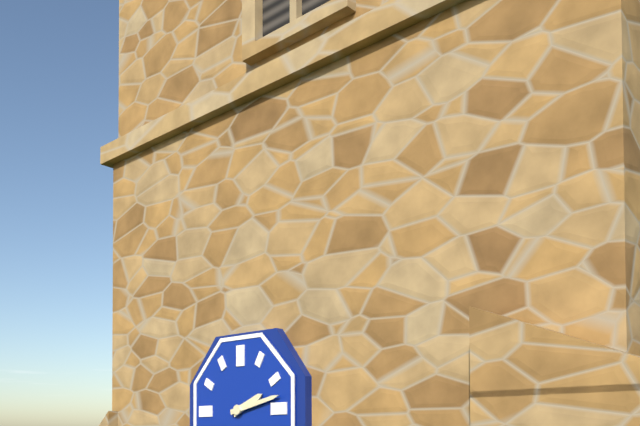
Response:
2.13
